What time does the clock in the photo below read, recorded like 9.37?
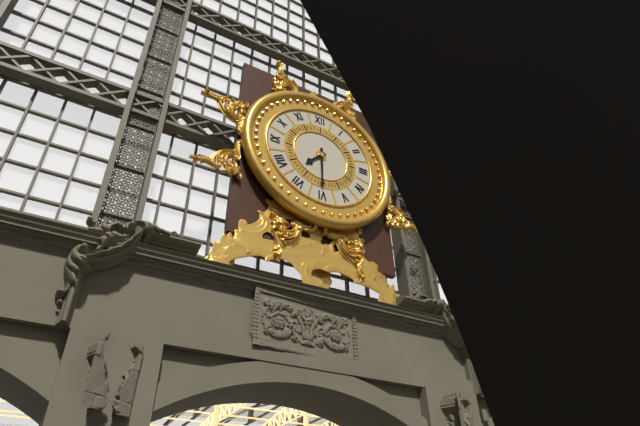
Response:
7.30
